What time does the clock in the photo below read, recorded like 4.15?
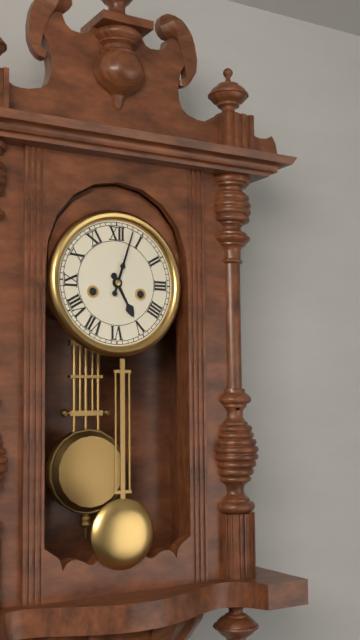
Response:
5.03
